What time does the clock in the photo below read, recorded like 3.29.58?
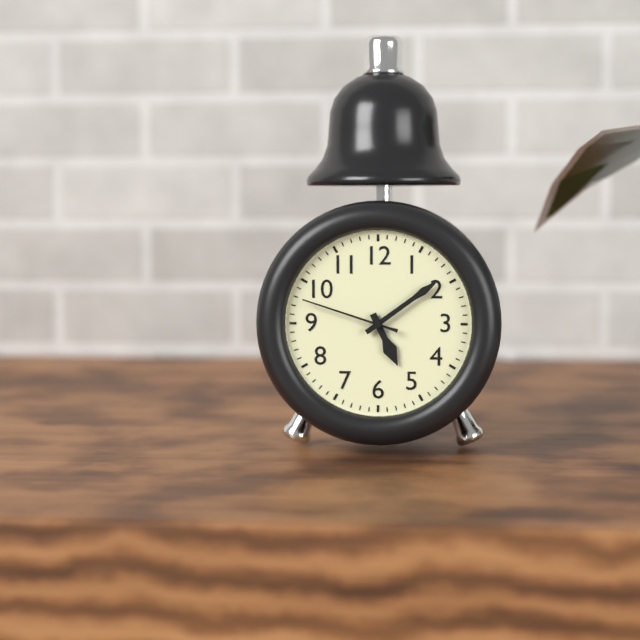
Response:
5.09.48
